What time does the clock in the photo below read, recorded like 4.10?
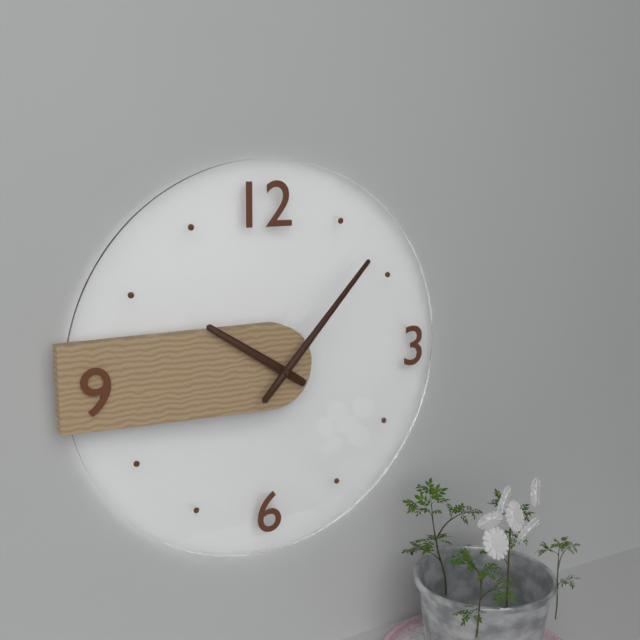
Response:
10.07
